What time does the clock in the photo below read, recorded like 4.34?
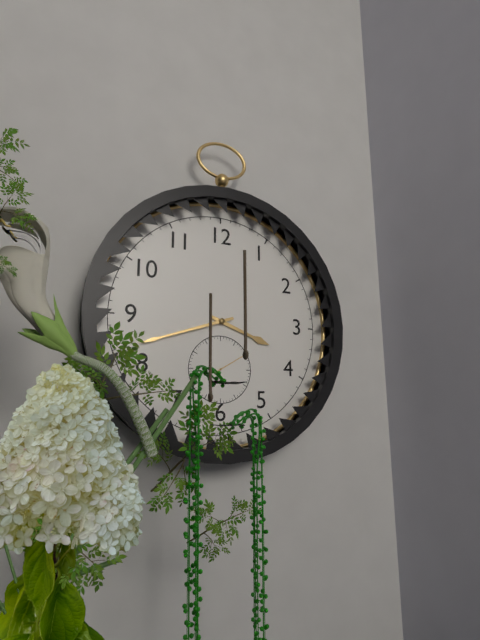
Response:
3.42
